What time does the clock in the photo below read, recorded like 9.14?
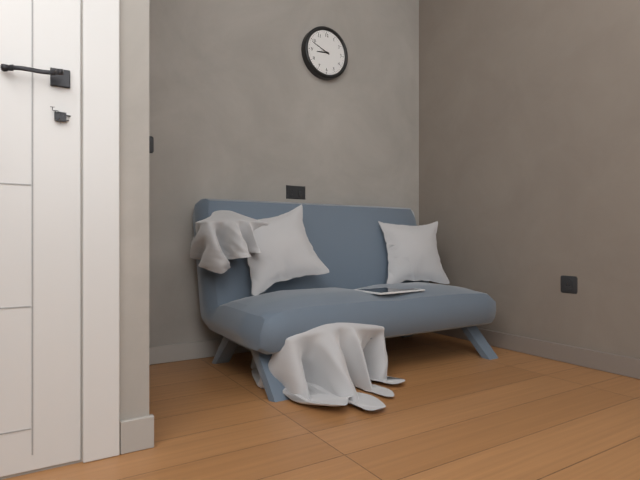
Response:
8.49
